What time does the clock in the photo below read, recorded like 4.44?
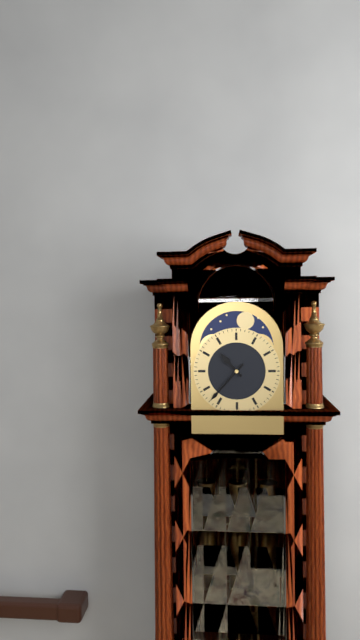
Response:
10.37
